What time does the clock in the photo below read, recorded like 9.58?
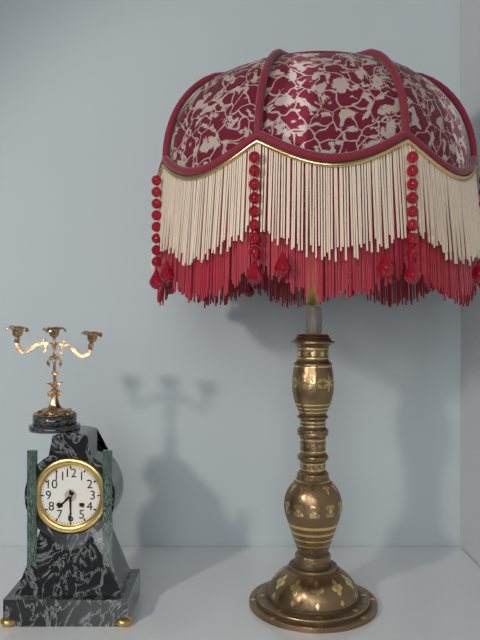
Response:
7.30
